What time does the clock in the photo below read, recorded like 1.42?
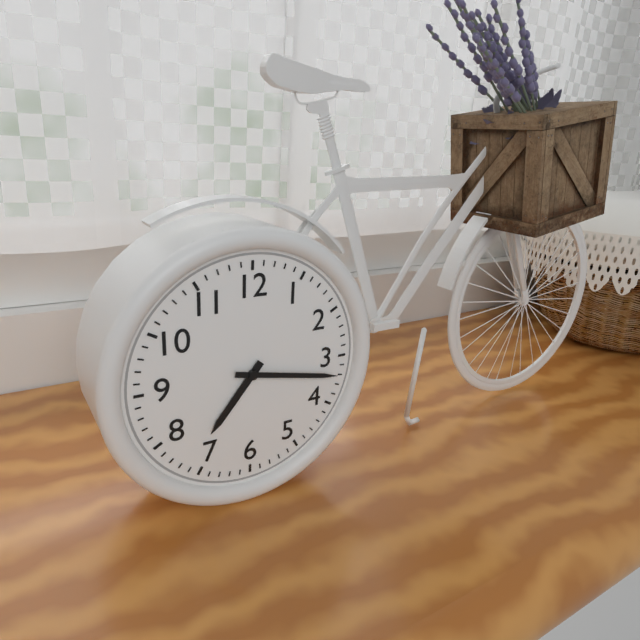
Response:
7.17
